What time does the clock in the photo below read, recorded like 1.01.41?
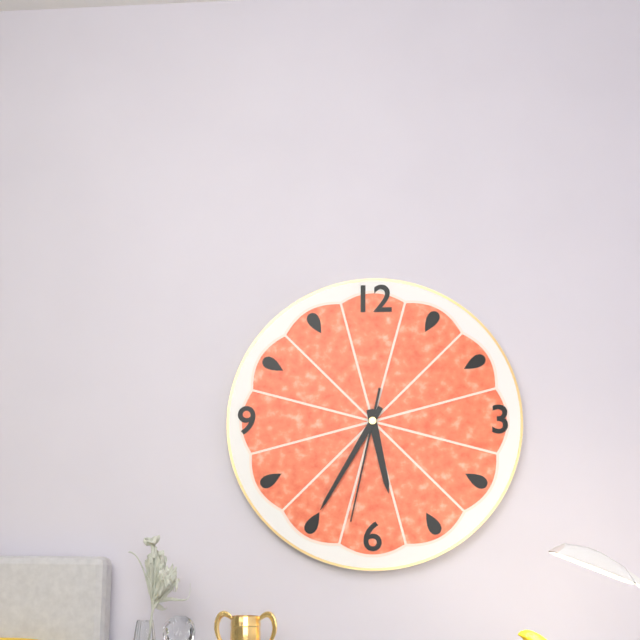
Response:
5.35.32
